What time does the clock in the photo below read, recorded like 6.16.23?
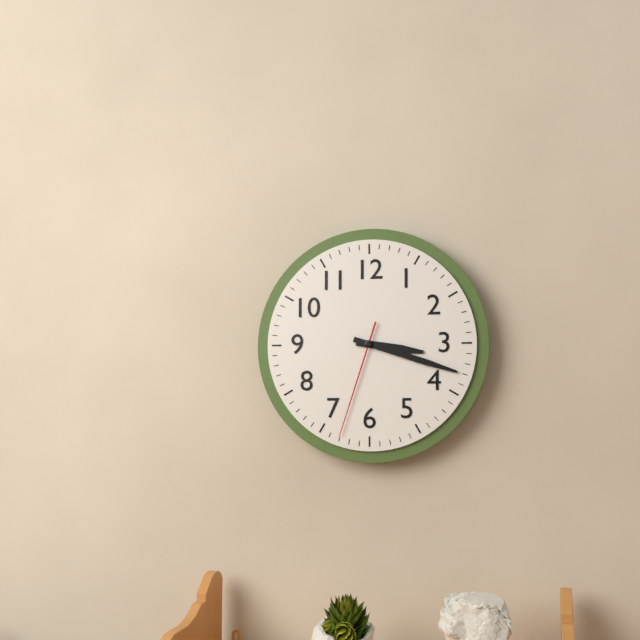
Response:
3.18.33
